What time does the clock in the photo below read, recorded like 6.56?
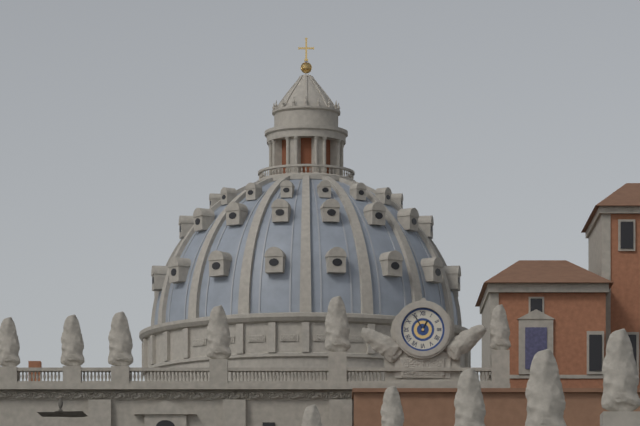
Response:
12.55
